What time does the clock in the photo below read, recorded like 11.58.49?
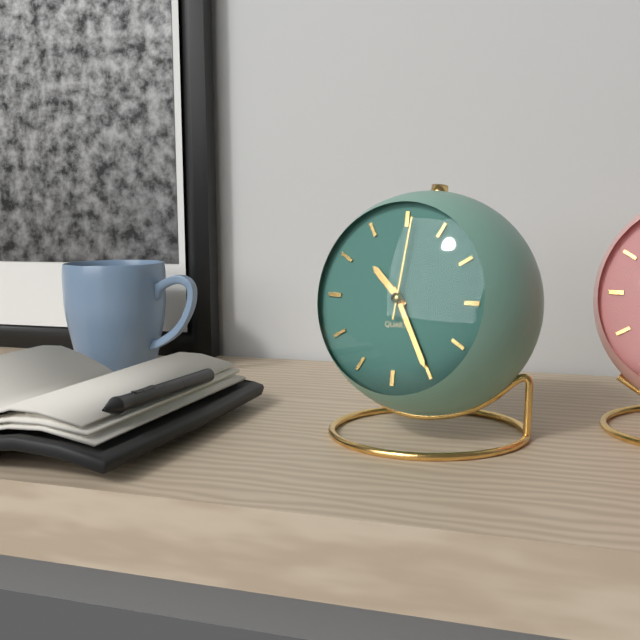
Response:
10.25.01
